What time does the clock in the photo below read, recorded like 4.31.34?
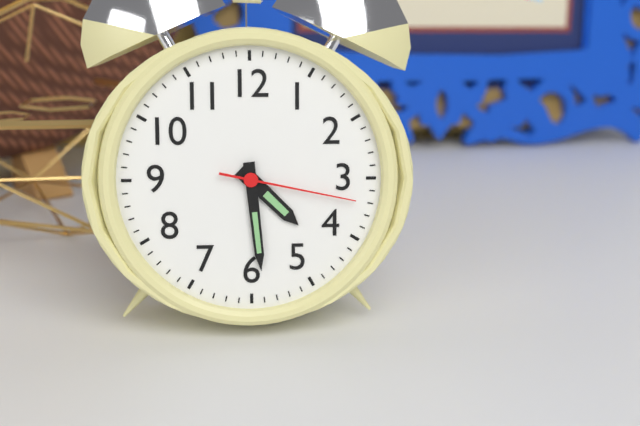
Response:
4.29.17
